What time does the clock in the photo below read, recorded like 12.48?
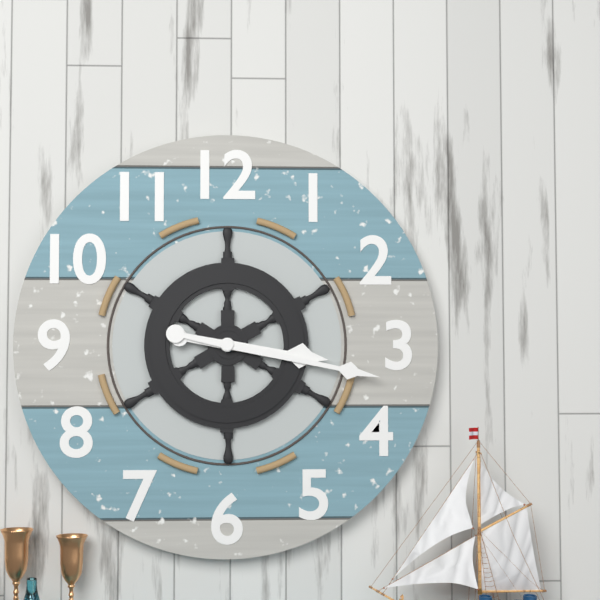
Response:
3.17
